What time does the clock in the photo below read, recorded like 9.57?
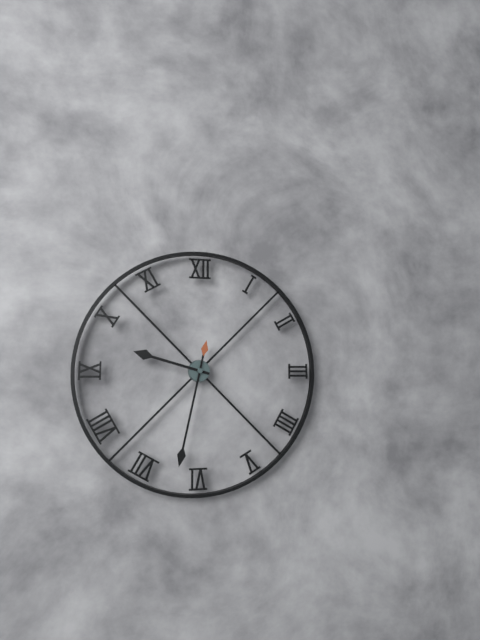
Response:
9.32
